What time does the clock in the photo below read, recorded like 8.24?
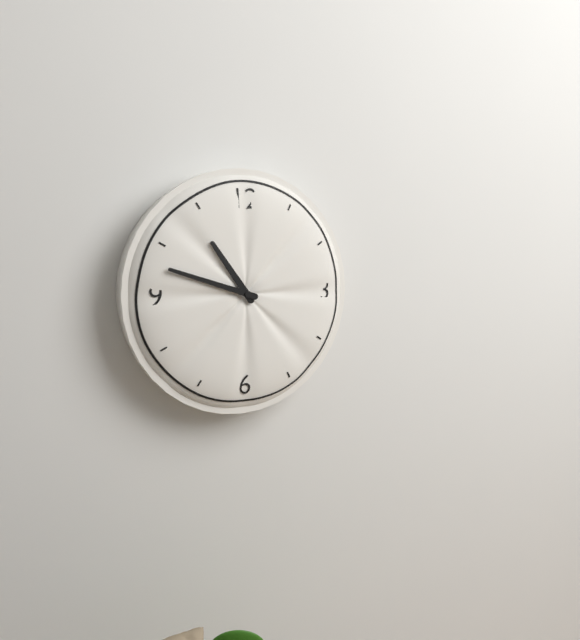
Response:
10.48
